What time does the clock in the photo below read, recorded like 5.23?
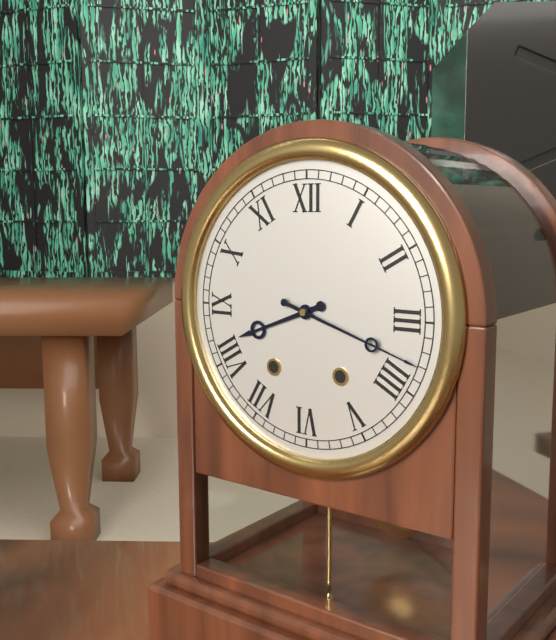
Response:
8.18
